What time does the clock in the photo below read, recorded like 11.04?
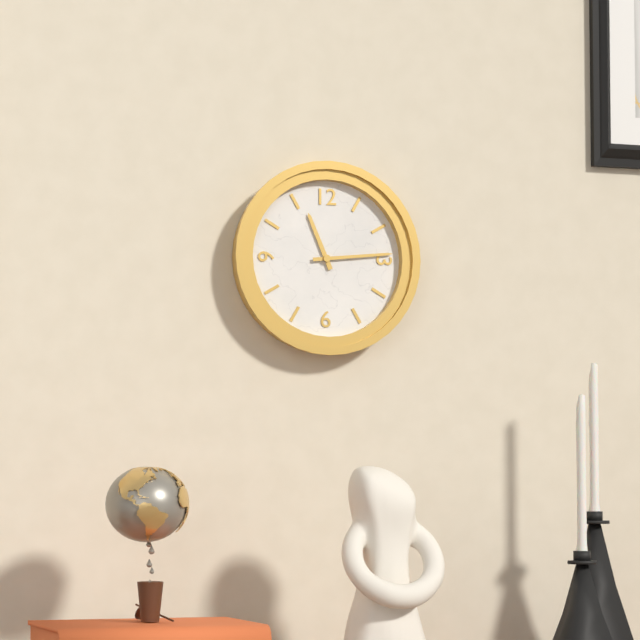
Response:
11.14
